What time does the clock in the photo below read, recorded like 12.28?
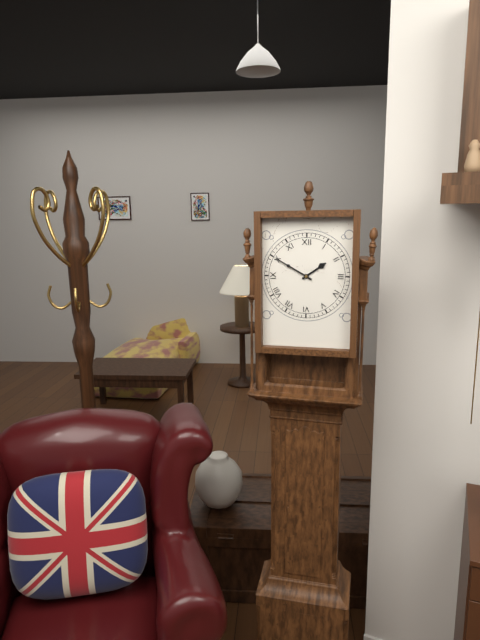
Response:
1.50
